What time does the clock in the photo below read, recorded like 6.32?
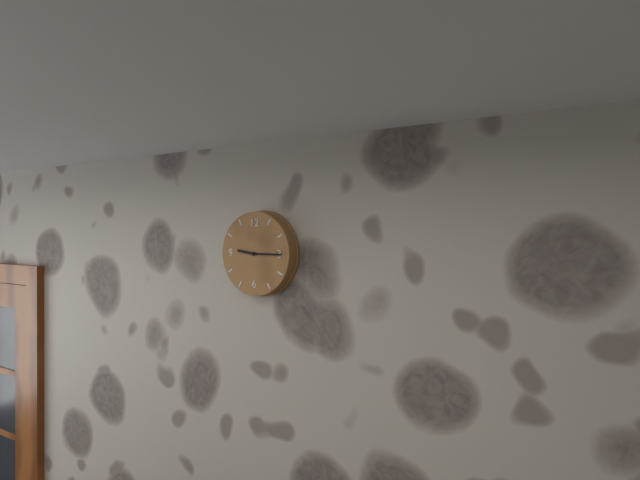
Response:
9.15
